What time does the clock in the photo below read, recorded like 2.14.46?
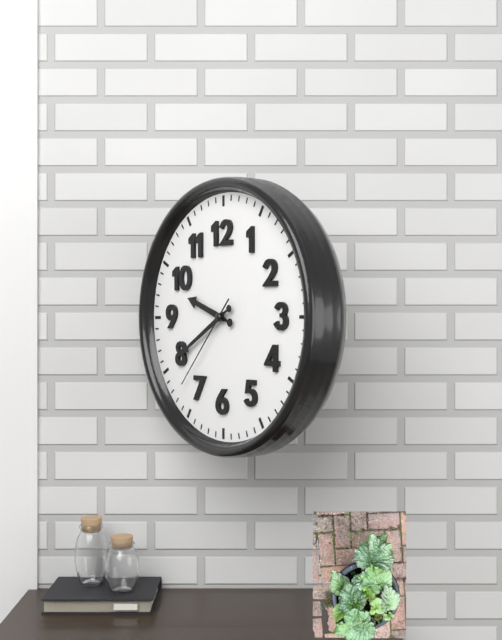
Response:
9.40.37
